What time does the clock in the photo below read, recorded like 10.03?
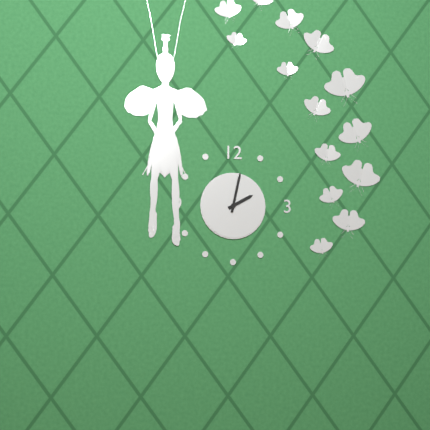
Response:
2.02
